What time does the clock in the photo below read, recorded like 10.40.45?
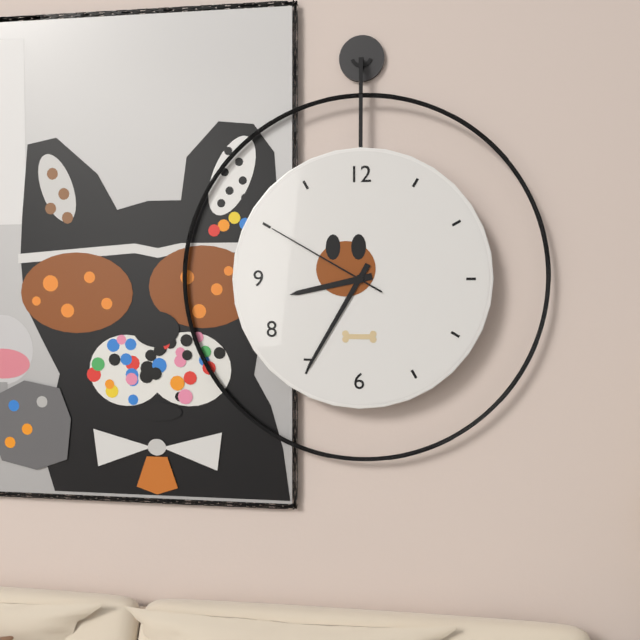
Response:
8.35.50
